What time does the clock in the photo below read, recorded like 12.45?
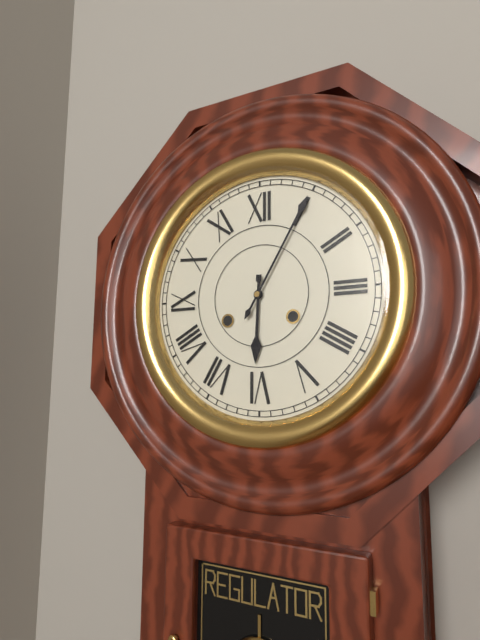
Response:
6.05
